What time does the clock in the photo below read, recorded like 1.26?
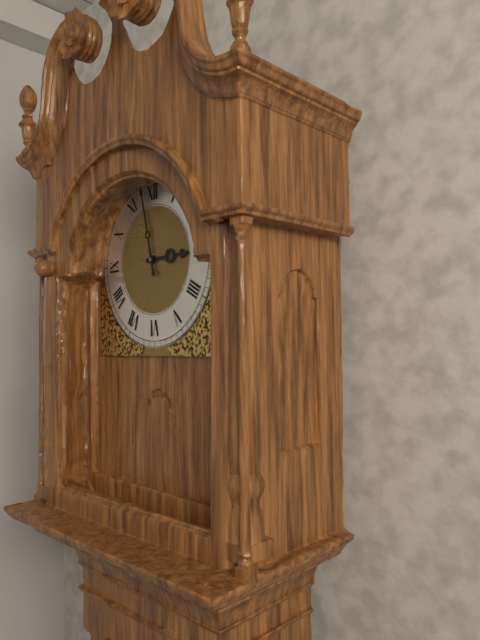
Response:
2.58
